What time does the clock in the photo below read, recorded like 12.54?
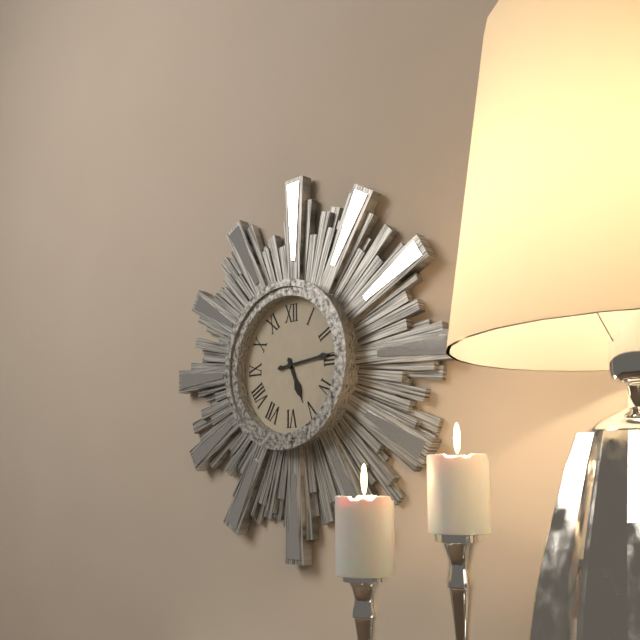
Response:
5.14
